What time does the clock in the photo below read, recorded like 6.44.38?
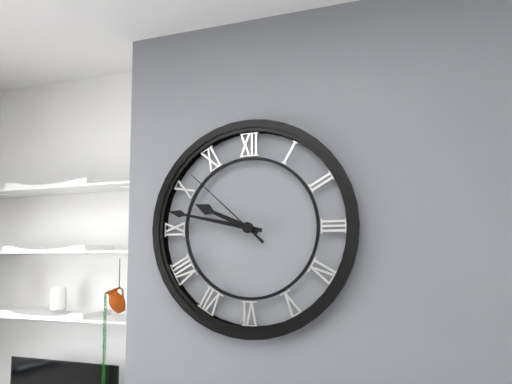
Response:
9.47.52
